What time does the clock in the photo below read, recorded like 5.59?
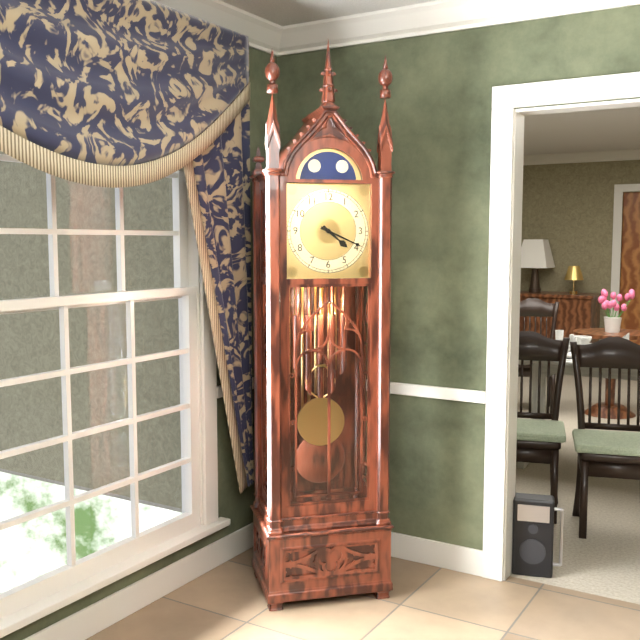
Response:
4.19
